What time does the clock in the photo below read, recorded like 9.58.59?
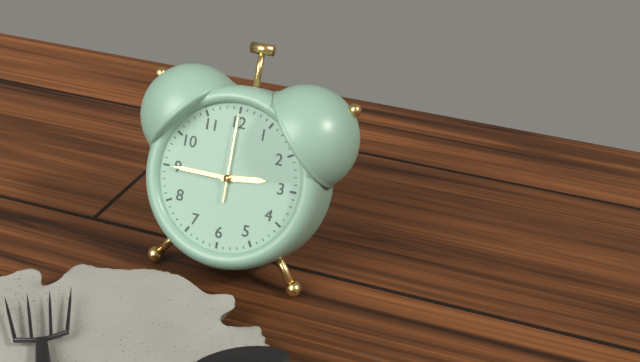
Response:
2.45.00
